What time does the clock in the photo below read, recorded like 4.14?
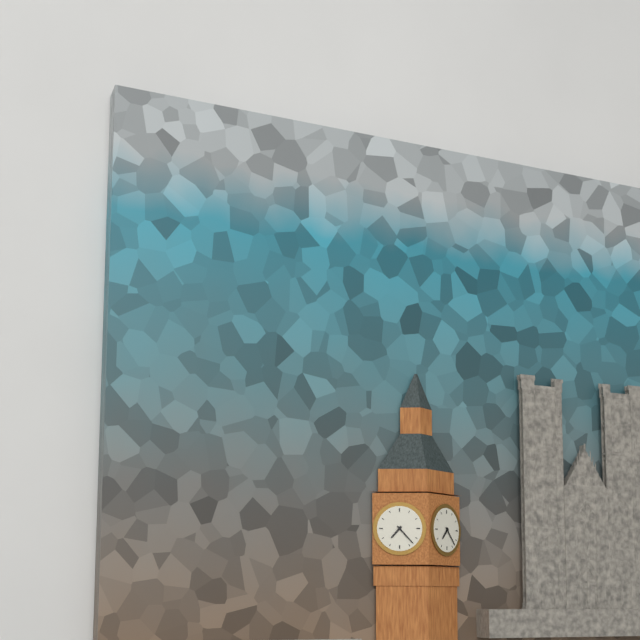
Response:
7.23
